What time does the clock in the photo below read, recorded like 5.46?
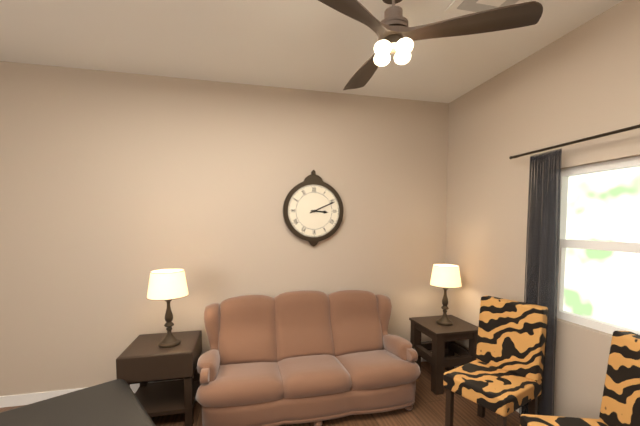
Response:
3.11
